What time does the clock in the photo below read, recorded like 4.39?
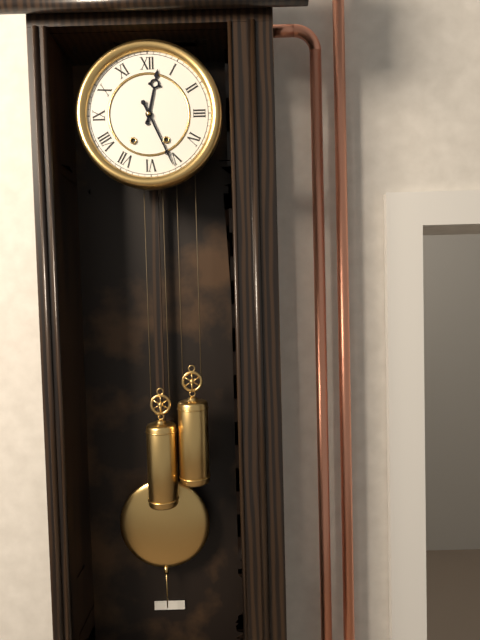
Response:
12.26
